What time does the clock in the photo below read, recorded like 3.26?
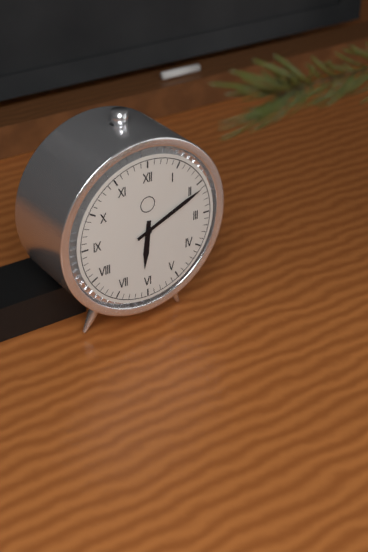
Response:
6.11
